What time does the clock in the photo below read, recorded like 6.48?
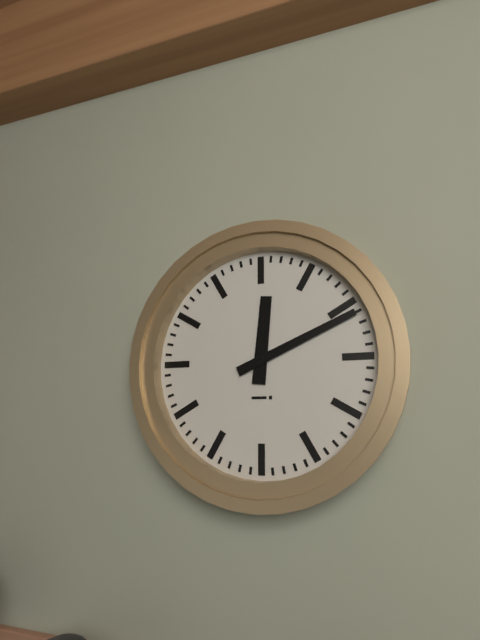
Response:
12.11
